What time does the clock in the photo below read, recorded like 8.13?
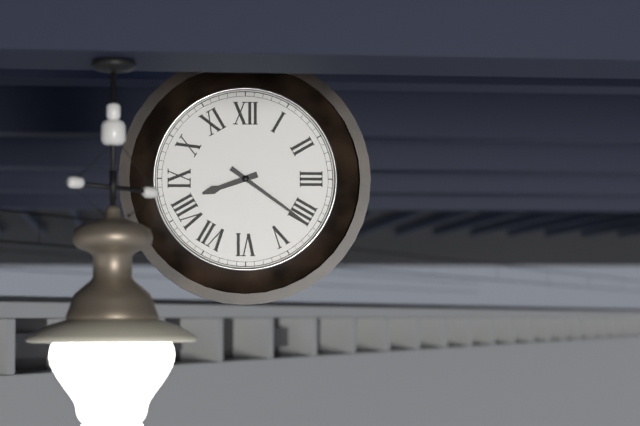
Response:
8.21
